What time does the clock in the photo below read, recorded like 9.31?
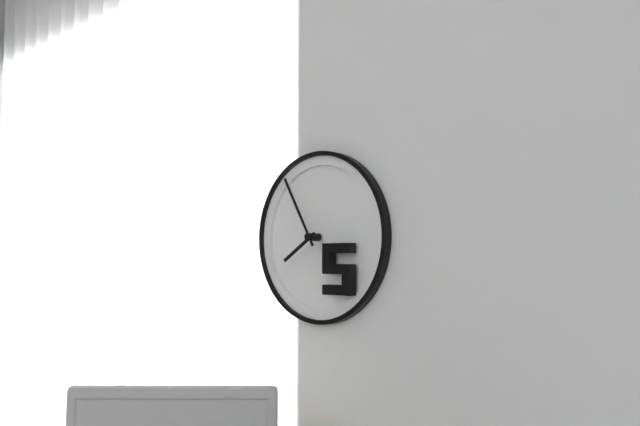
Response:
7.55
